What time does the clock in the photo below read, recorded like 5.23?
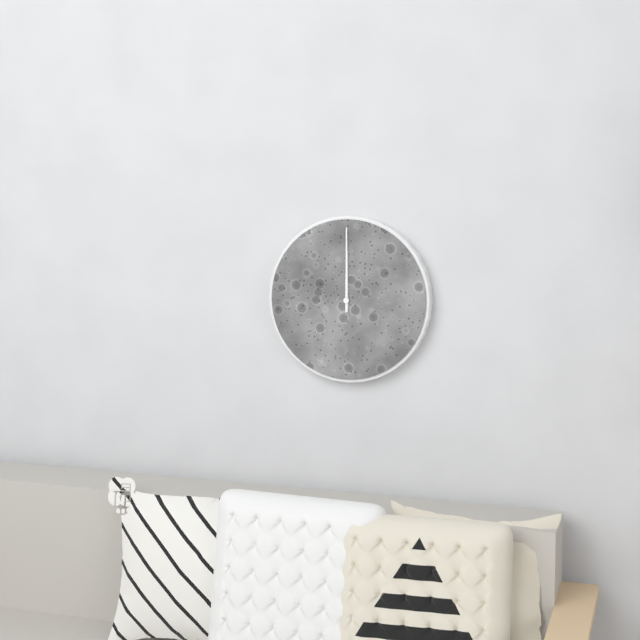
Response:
12.00
